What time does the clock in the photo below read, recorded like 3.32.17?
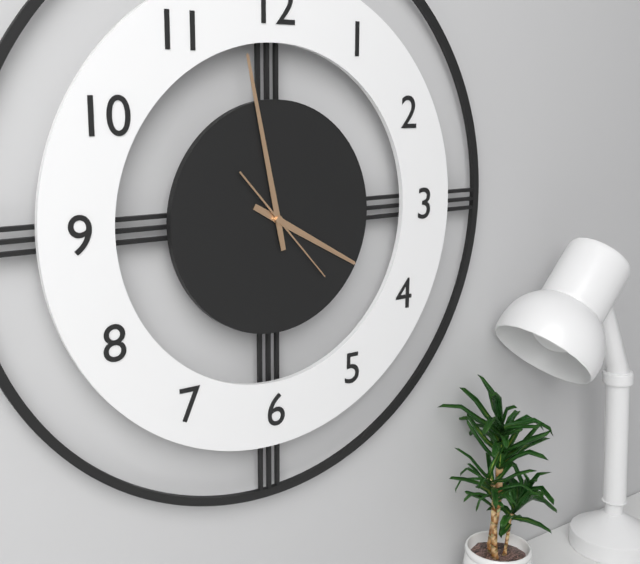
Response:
3.58.23
